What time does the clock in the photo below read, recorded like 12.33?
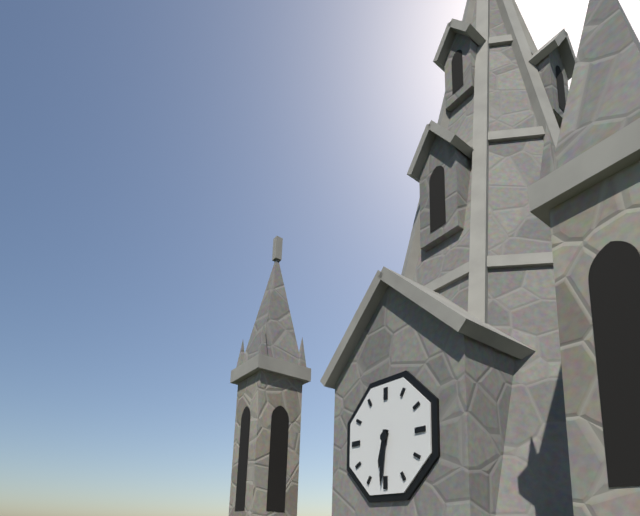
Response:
6.31
